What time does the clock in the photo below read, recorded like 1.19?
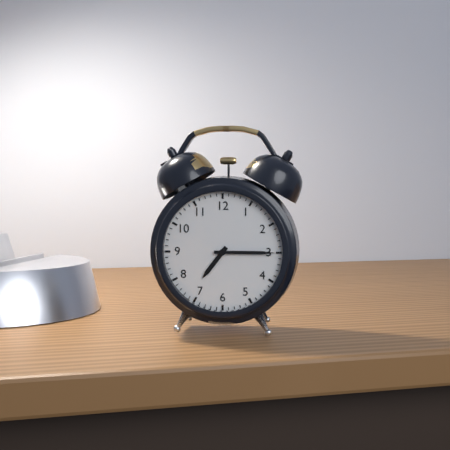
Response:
7.15
